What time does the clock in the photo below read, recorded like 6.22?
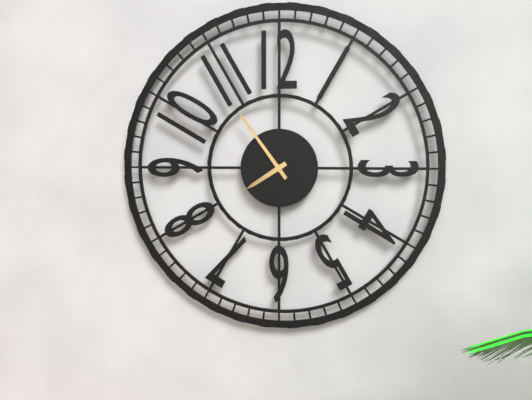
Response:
7.54
